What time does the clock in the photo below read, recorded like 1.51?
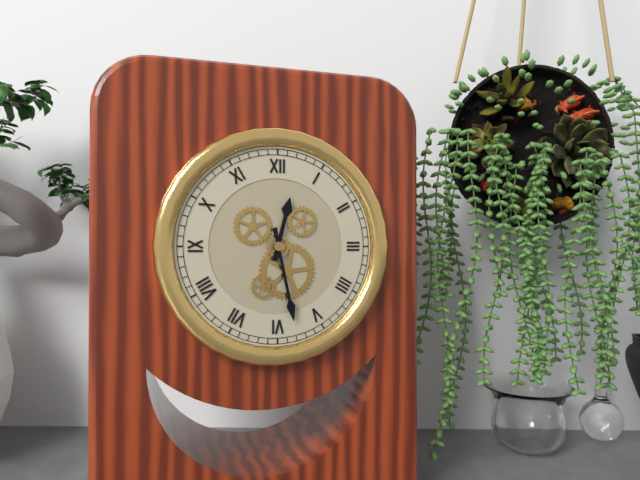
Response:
12.28
